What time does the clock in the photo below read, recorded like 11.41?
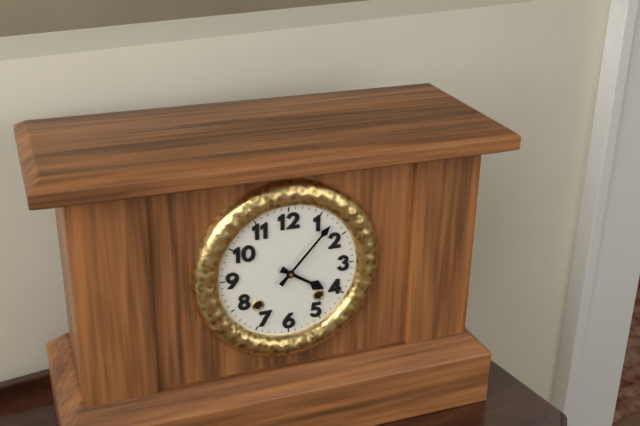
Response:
4.07
